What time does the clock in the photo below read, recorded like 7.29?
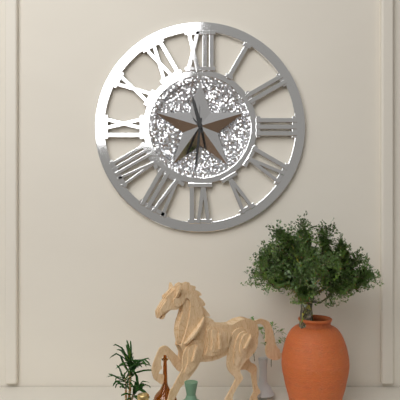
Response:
11.31
